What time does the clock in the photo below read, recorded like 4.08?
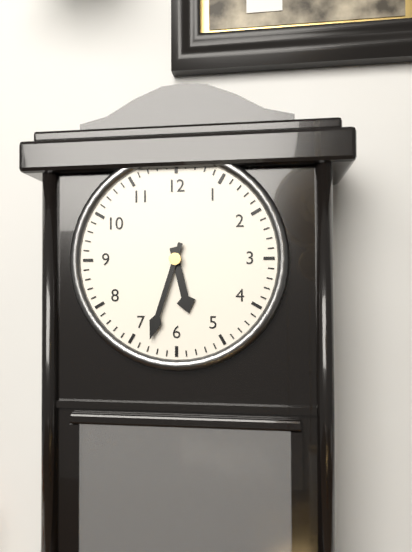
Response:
5.33
